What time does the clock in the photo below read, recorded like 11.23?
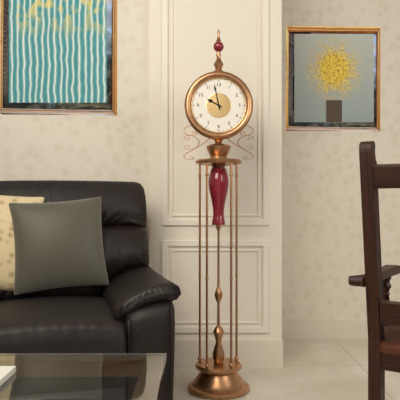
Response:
9.58
